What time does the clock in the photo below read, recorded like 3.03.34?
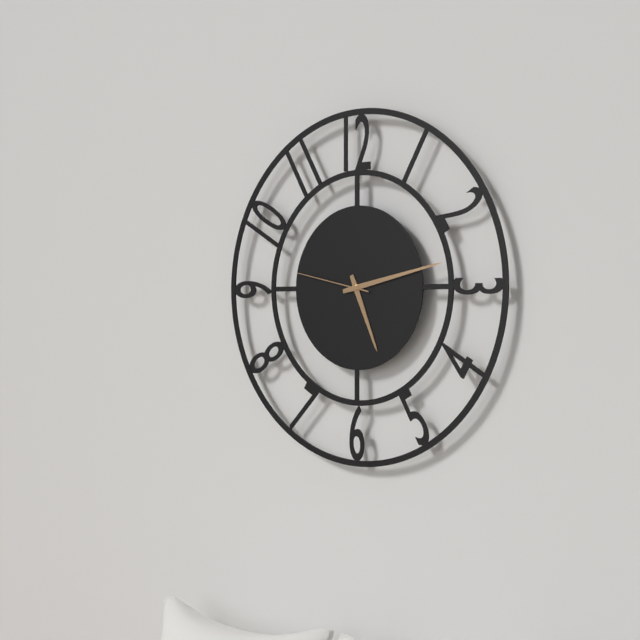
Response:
5.13.47
